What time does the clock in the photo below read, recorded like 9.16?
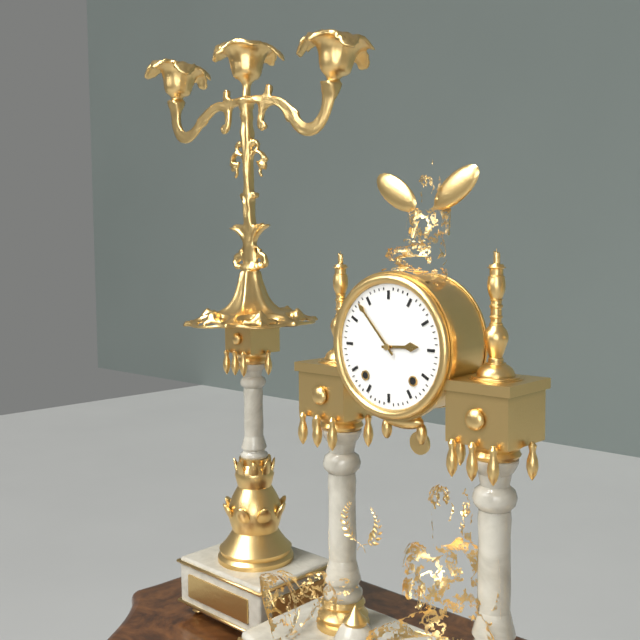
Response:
2.53
